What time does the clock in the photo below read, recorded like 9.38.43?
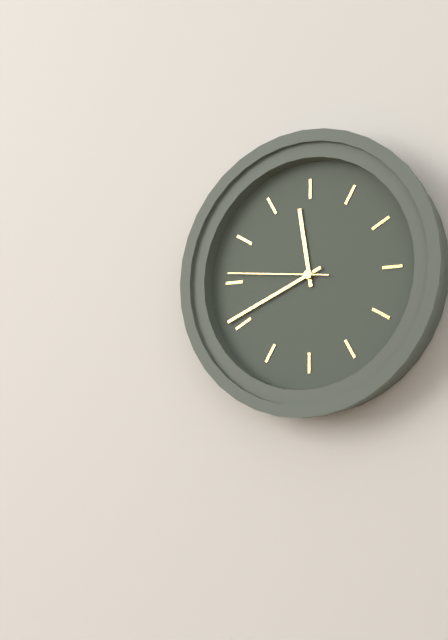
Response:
11.41.46
